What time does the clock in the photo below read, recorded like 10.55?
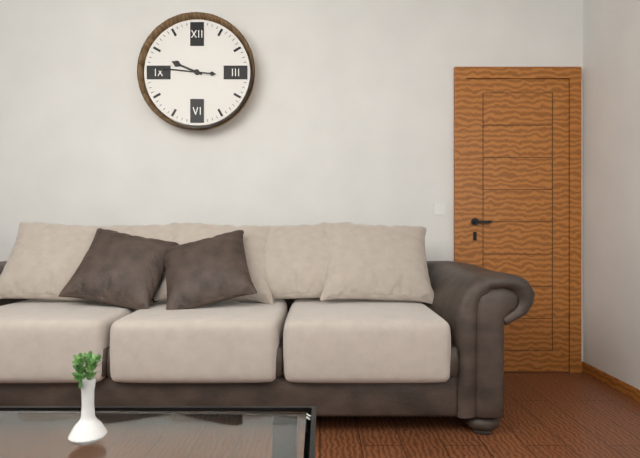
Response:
9.46
